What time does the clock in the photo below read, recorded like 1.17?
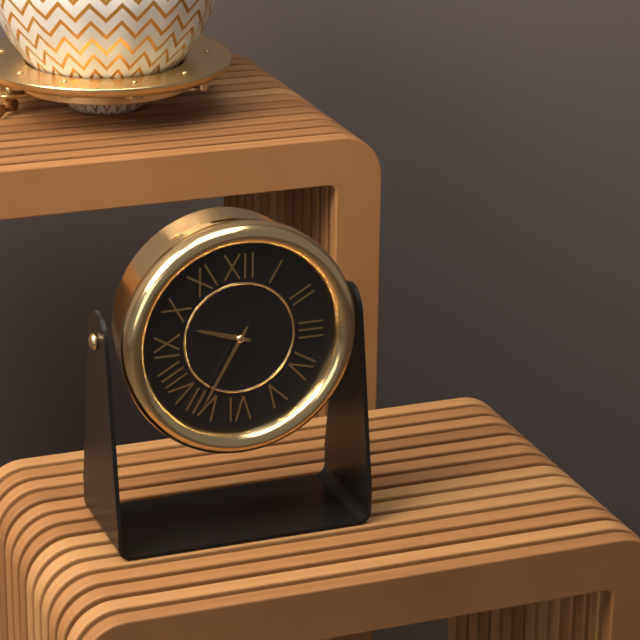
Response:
9.35
